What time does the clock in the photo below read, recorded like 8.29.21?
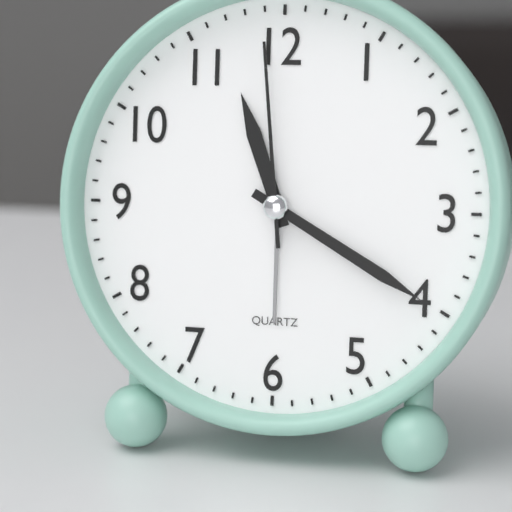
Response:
11.20.59
